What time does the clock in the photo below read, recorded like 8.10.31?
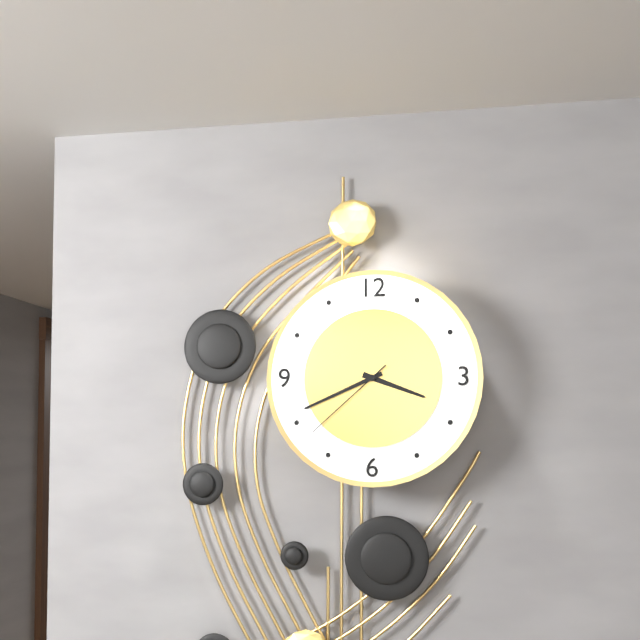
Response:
3.41.38
